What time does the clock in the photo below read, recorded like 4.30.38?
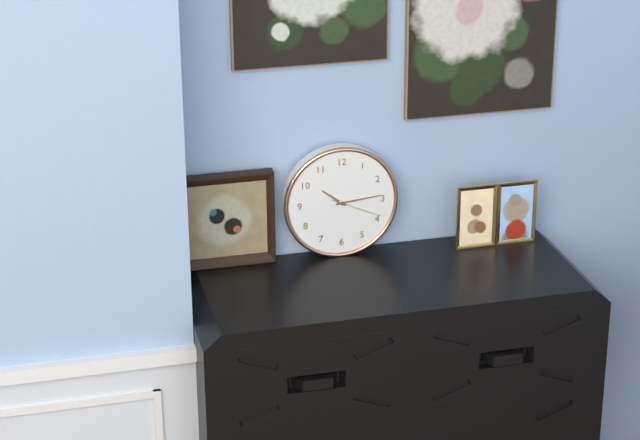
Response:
10.14.19
